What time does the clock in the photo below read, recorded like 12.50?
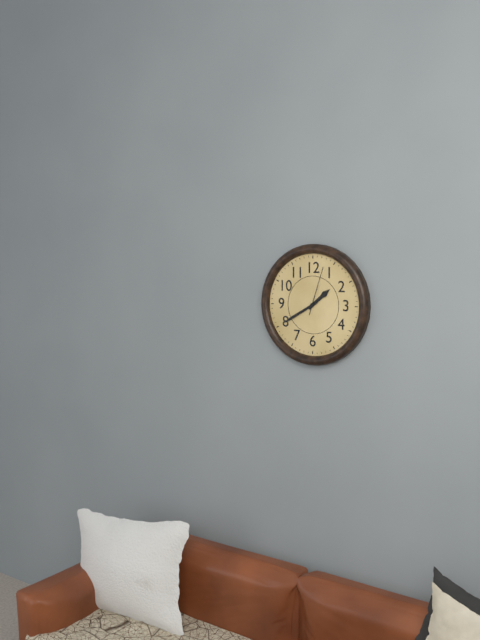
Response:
1.40
